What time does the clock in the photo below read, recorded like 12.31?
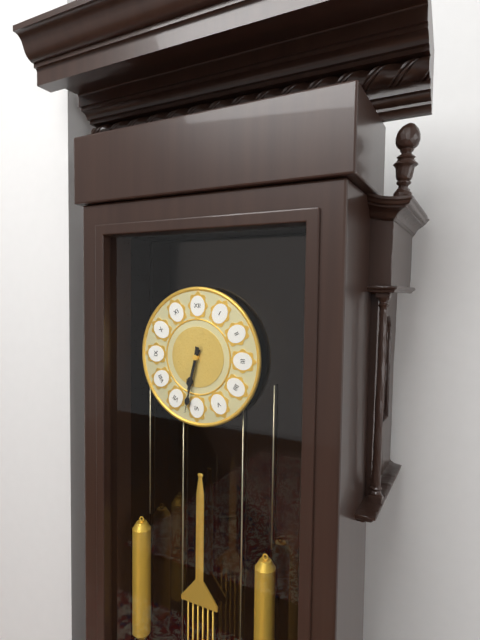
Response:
6.32
